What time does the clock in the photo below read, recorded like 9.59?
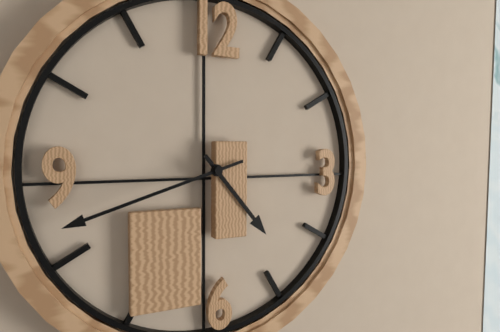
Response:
4.42
